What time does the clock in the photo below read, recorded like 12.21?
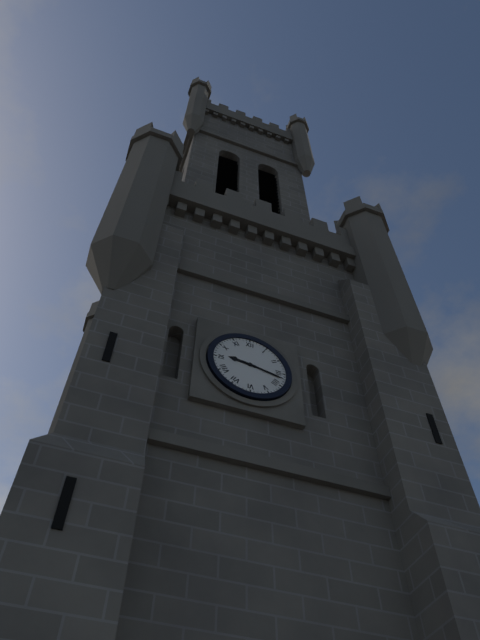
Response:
9.17
